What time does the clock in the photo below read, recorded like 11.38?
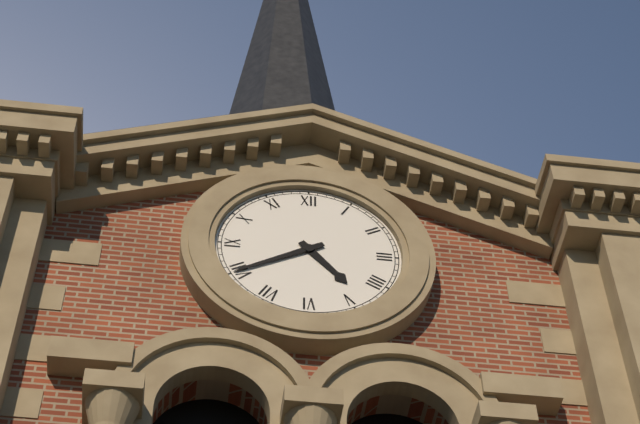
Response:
4.40
